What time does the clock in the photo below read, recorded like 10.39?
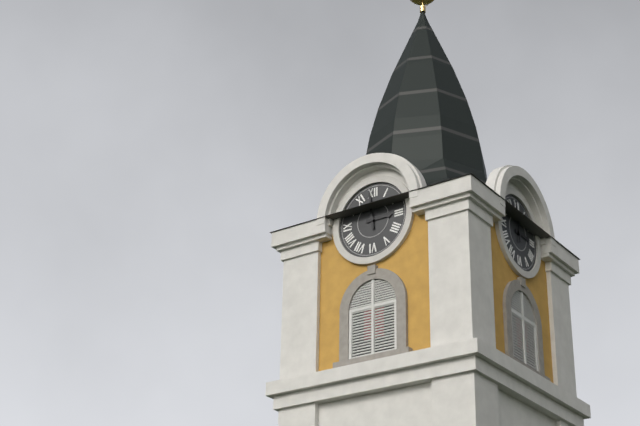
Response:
2.59
